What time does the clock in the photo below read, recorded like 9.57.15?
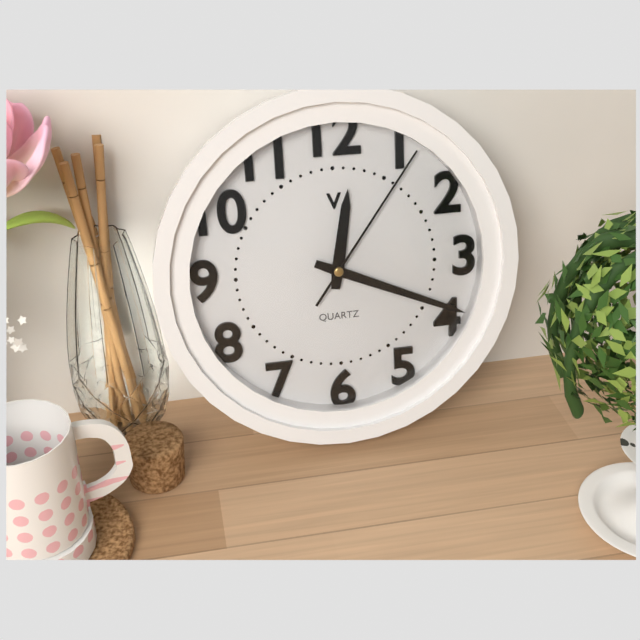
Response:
12.19.06
